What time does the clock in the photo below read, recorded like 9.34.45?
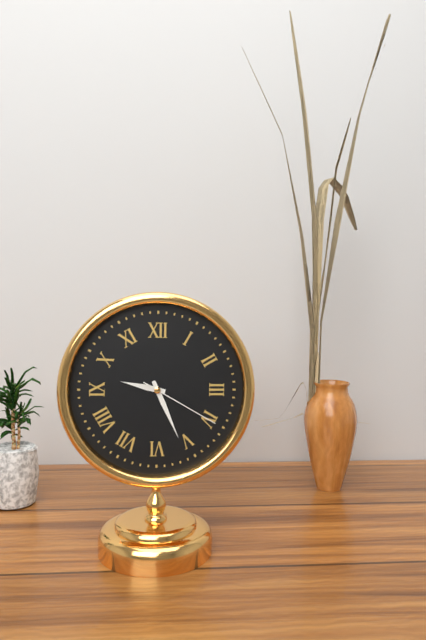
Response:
9.26.20
